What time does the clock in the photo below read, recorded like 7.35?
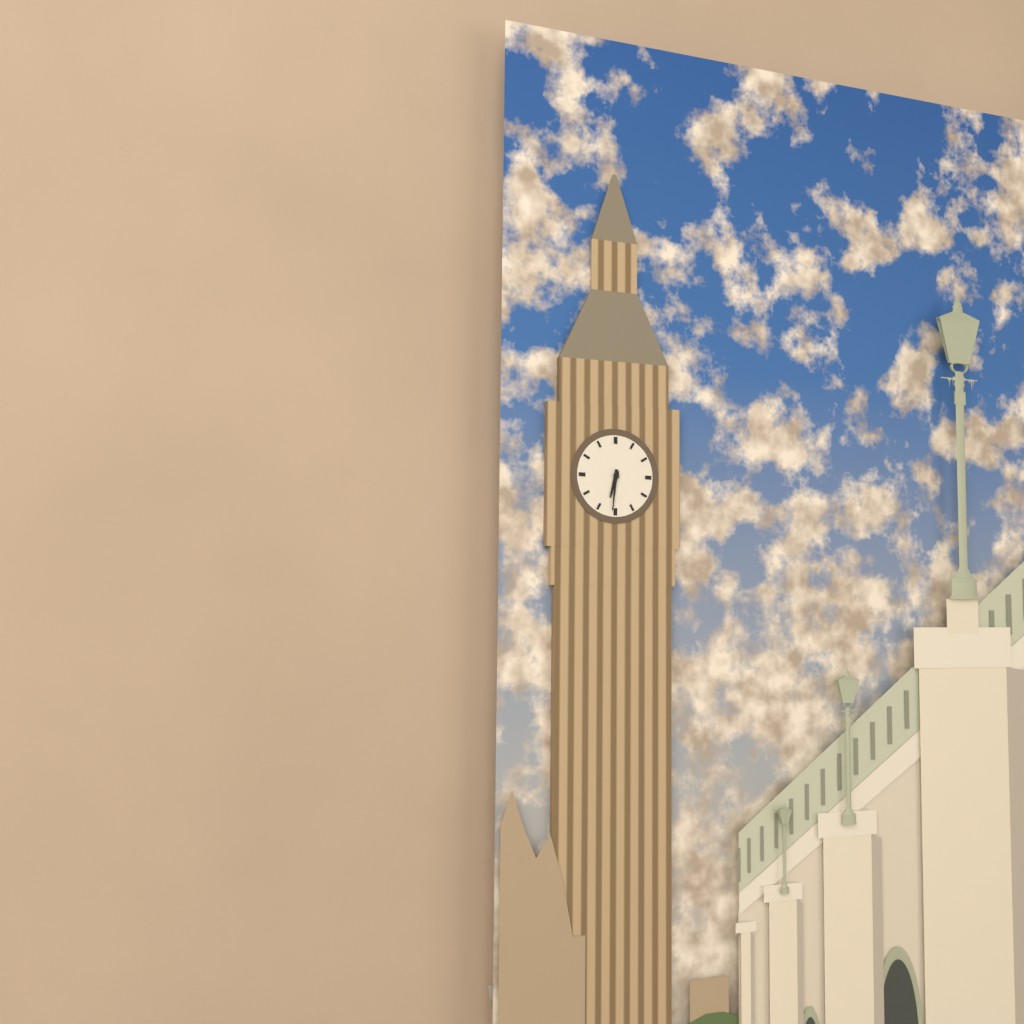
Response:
6.31
